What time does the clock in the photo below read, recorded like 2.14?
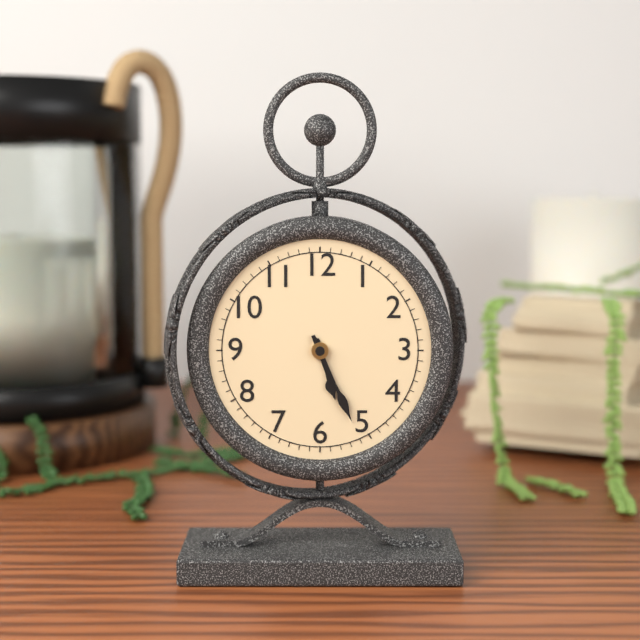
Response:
5.26
